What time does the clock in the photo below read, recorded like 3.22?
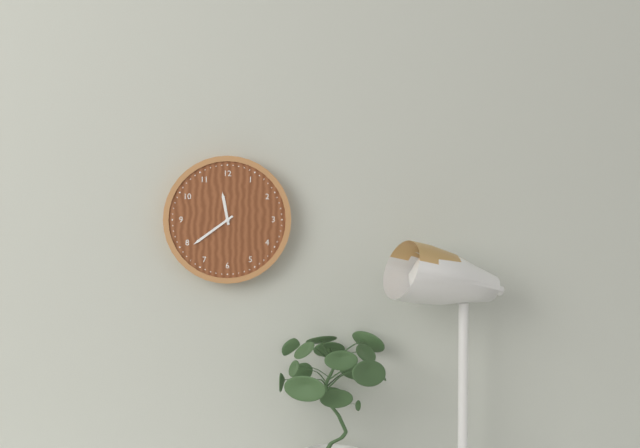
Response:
11.39
